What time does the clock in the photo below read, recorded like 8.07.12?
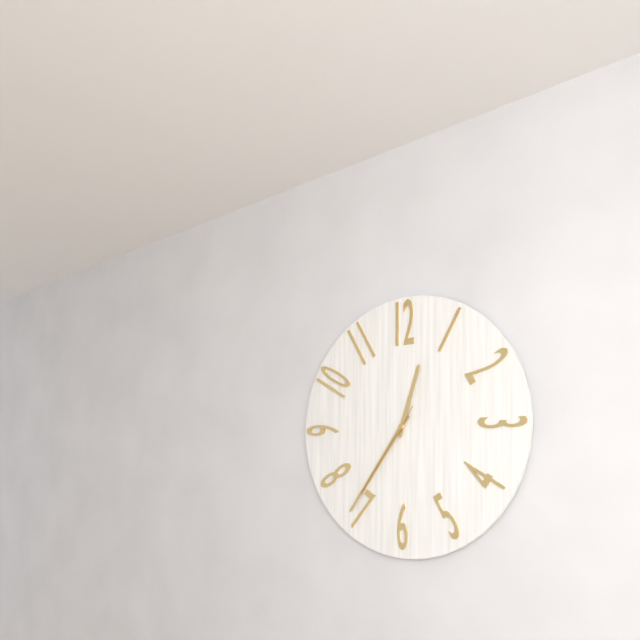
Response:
12.36.36
